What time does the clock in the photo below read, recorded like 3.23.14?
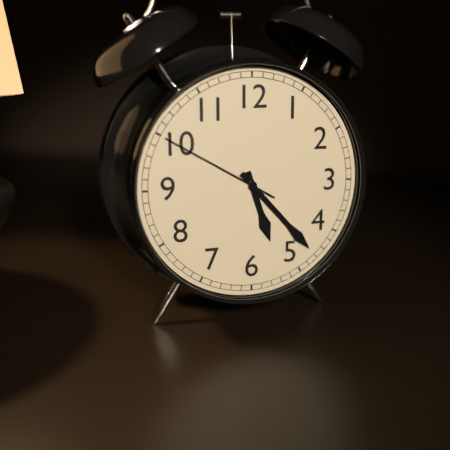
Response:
5.23.50
